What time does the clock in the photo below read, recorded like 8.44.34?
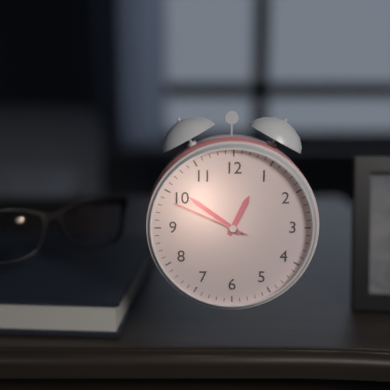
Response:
12.51.49
